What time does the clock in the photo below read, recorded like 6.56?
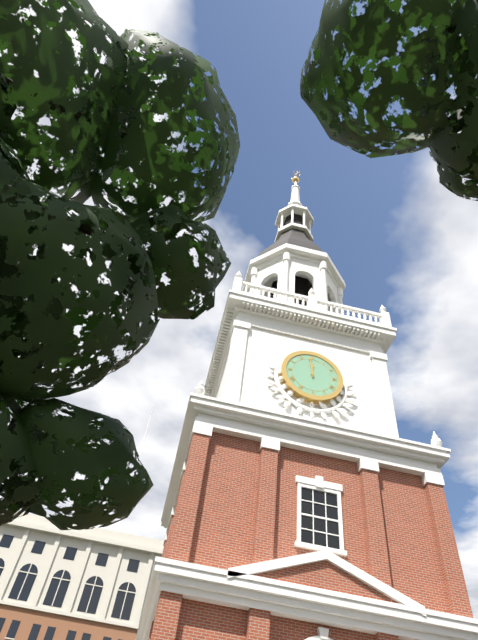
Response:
11.59
